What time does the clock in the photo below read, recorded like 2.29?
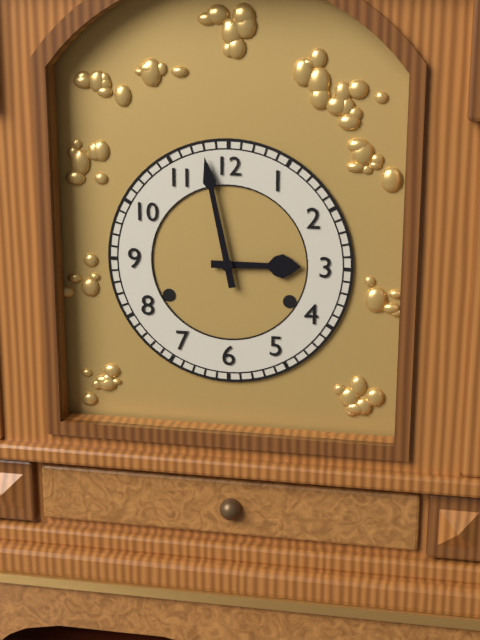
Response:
2.58
